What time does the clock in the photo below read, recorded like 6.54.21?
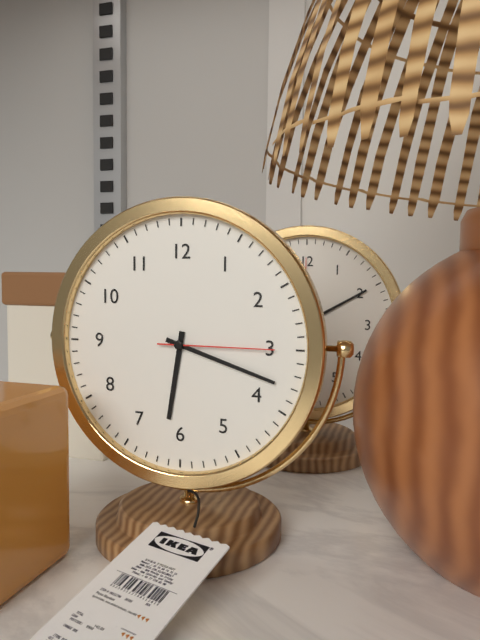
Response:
6.18.15
